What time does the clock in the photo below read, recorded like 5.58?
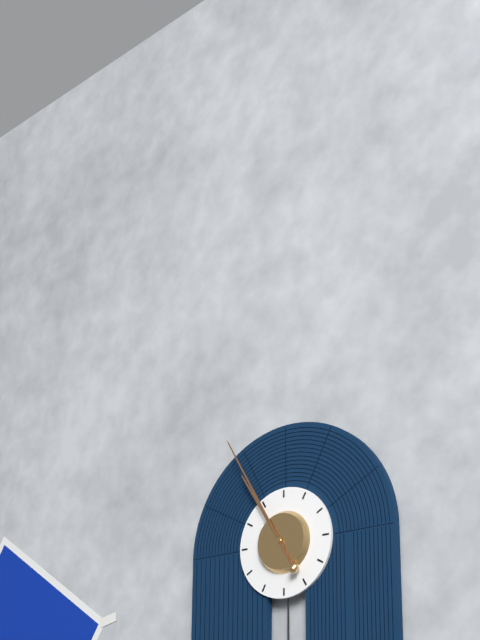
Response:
10.55
